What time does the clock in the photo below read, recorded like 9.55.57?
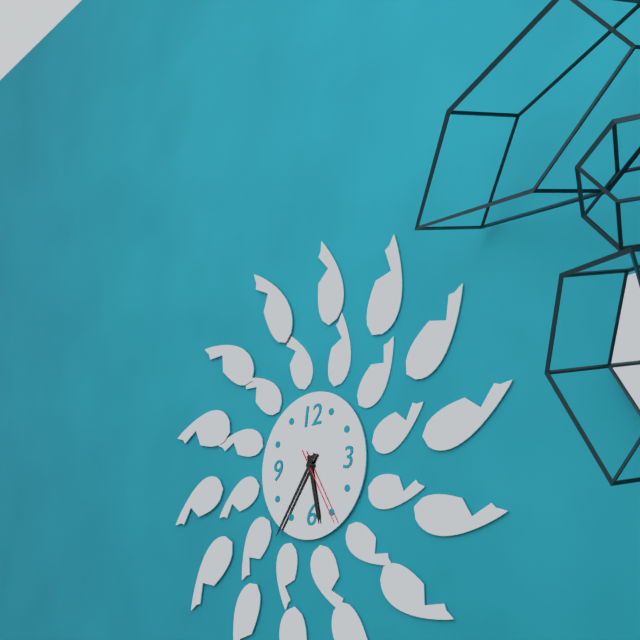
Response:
5.36.25
